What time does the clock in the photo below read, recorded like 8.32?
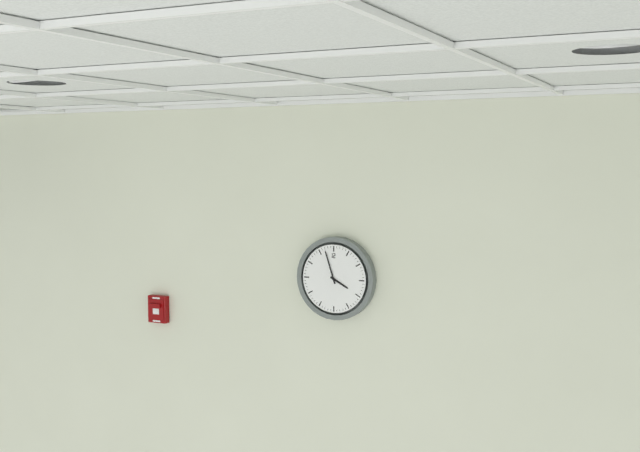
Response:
3.57
